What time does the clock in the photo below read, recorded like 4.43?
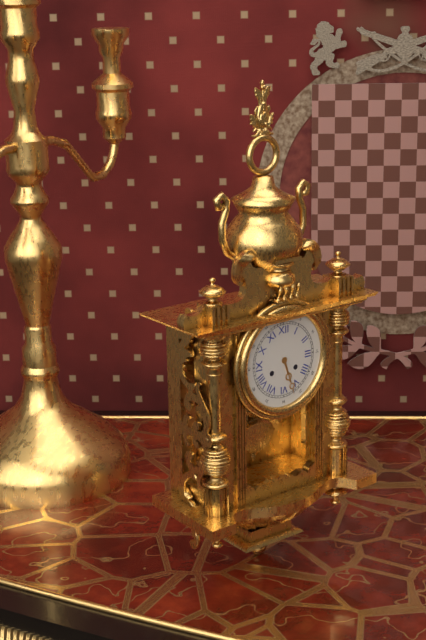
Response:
5.27
